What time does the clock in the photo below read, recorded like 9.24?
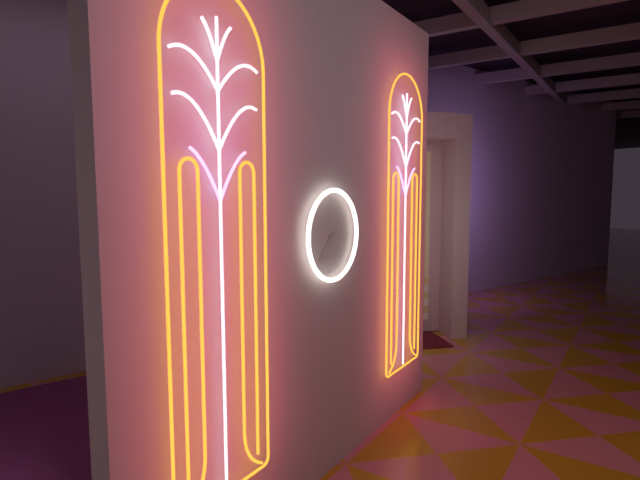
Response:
2.37
